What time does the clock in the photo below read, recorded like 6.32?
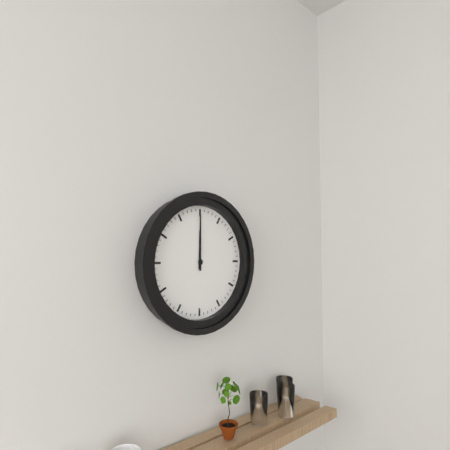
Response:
12.00
